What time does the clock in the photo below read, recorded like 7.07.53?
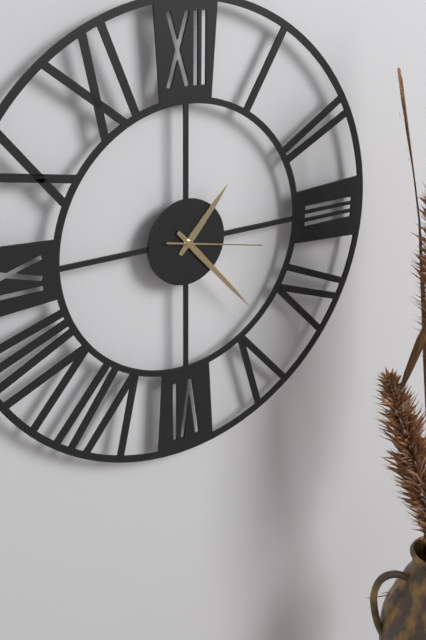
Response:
1.23.17
